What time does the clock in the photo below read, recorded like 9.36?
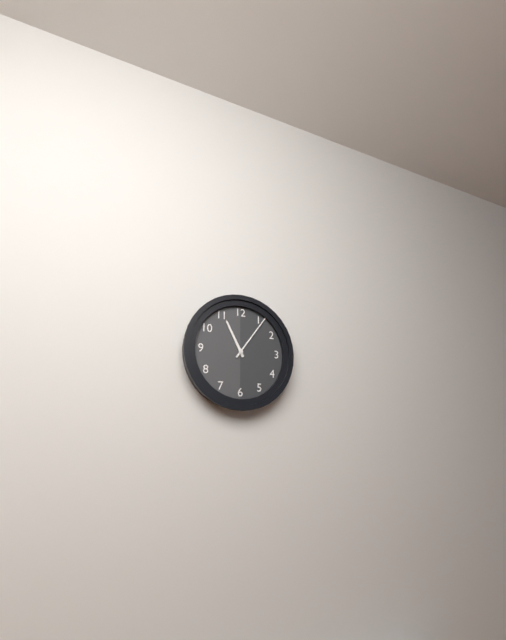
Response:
11.06
